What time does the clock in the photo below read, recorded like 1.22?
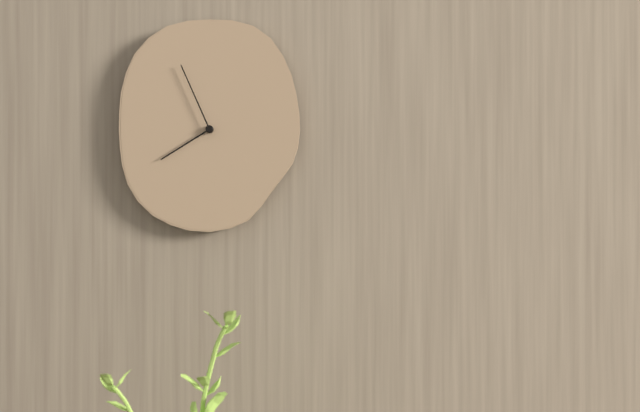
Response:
7.56
